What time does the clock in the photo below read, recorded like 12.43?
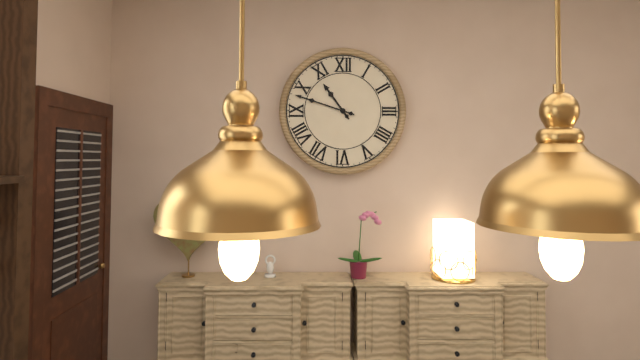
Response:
10.48
